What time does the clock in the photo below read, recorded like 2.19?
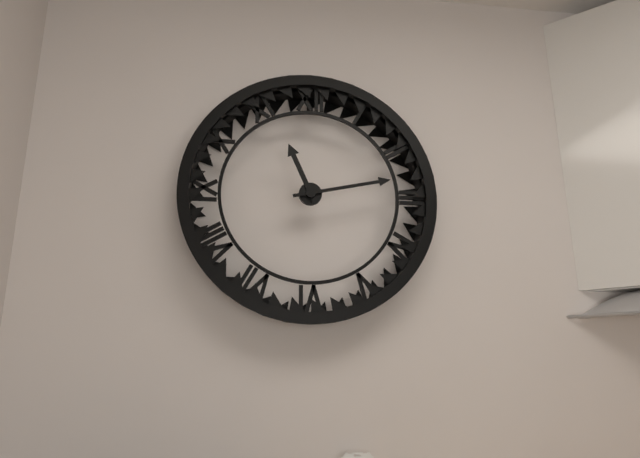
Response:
11.13
